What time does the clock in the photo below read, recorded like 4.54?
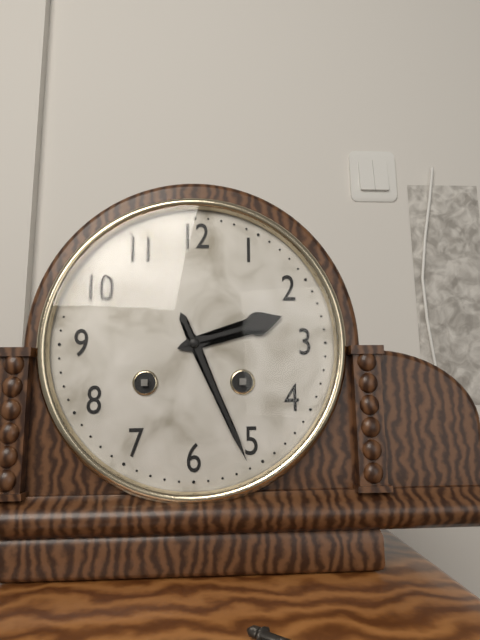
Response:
2.26
